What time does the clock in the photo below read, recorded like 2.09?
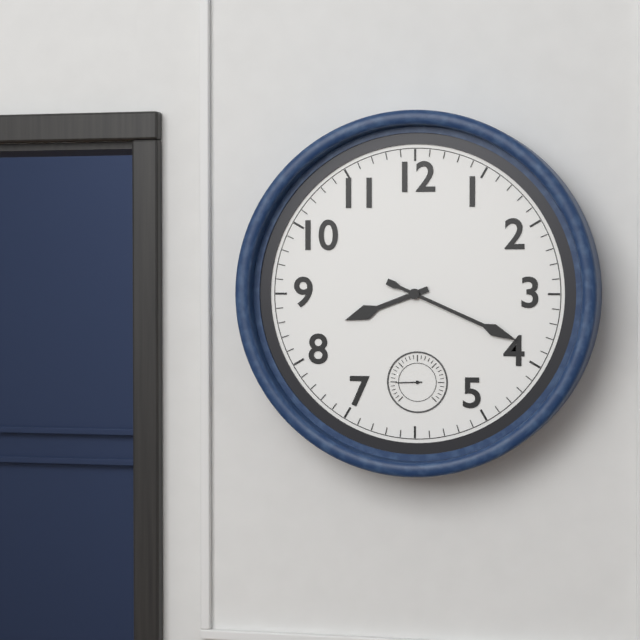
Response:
8.19
